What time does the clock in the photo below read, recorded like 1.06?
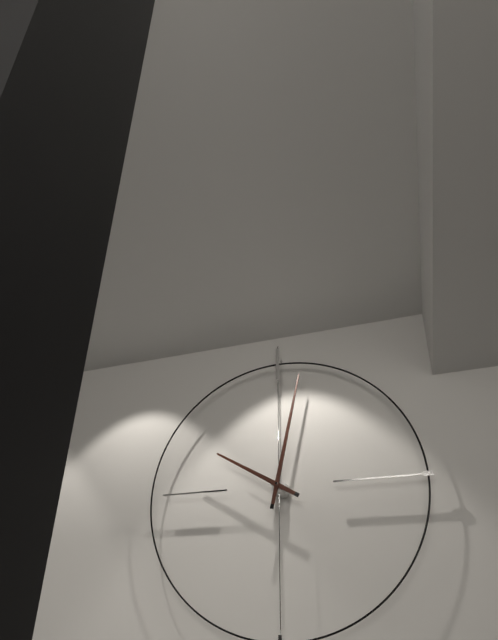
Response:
10.02
